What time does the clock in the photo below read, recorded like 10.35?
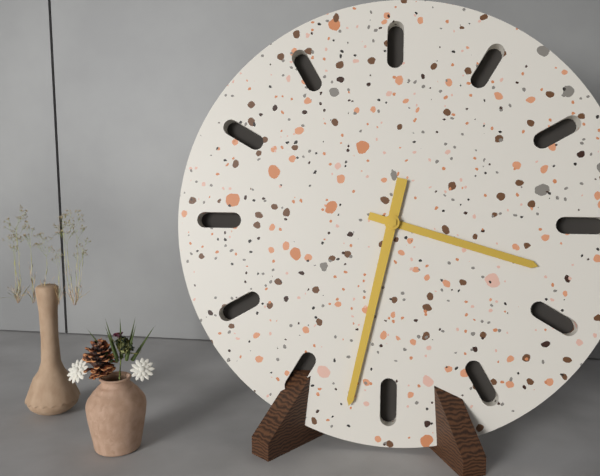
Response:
3.32
